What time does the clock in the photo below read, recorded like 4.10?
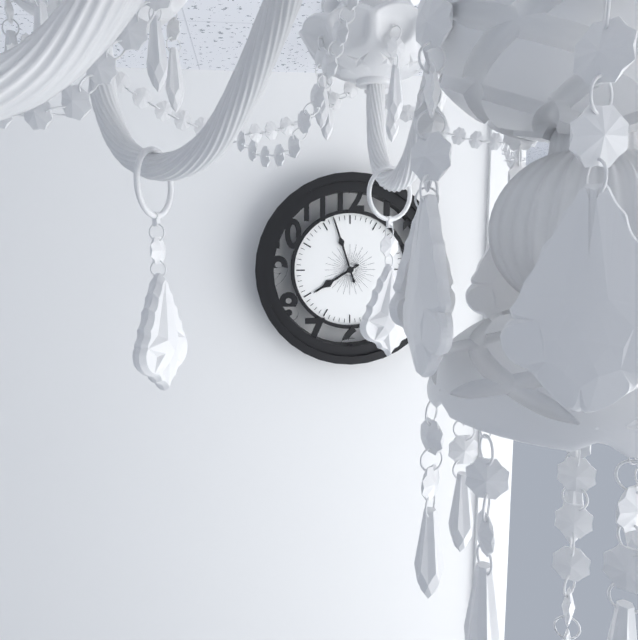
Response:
7.57
